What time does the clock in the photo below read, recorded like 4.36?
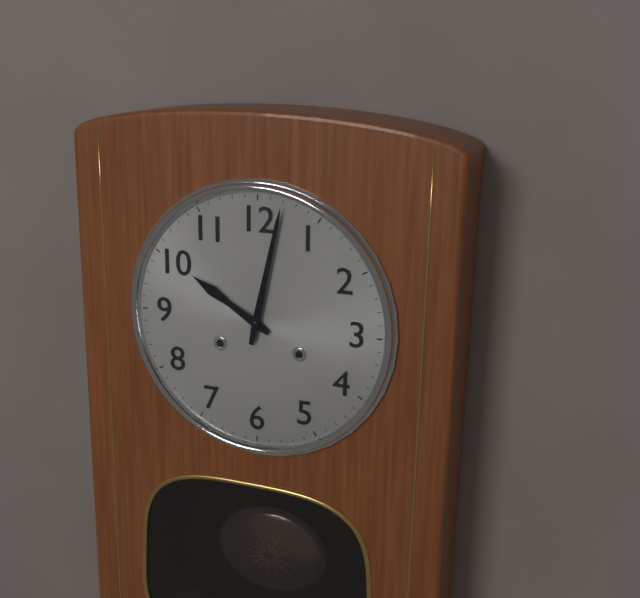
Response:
10.02
